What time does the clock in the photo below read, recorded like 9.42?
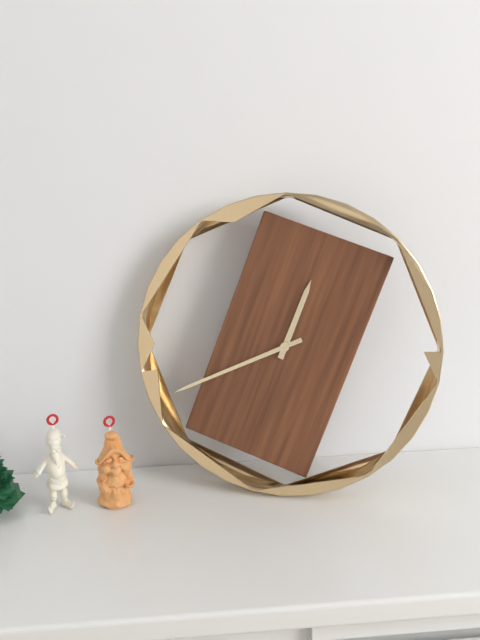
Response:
12.41
